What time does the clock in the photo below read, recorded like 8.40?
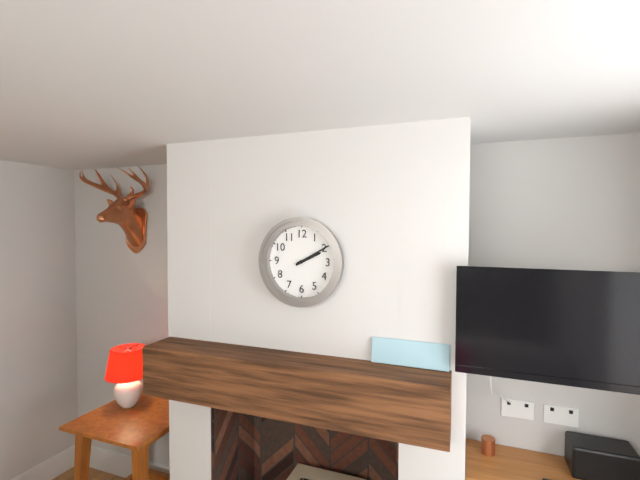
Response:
2.10
